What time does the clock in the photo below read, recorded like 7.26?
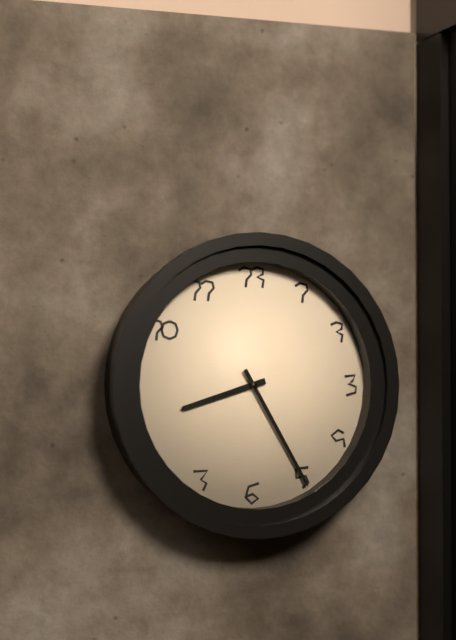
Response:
8.25
